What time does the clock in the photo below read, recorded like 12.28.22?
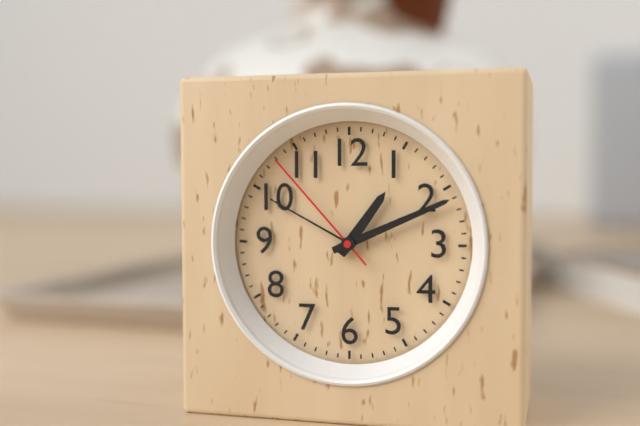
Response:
1.11.53
